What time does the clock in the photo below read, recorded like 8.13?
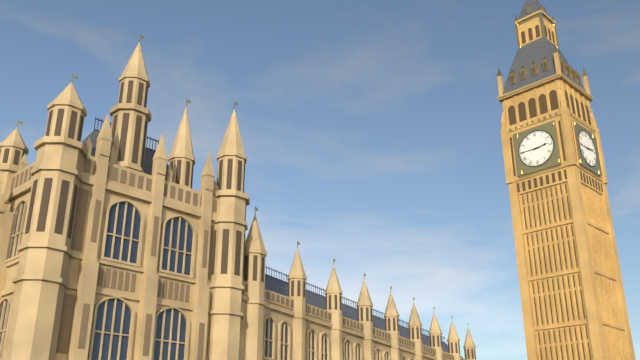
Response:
2.45
